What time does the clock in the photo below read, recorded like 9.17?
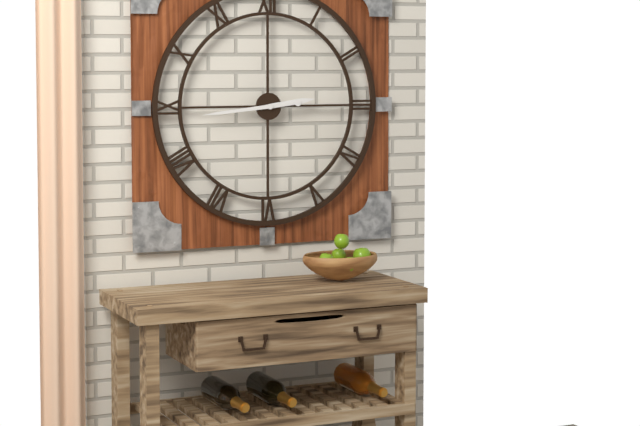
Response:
2.44
